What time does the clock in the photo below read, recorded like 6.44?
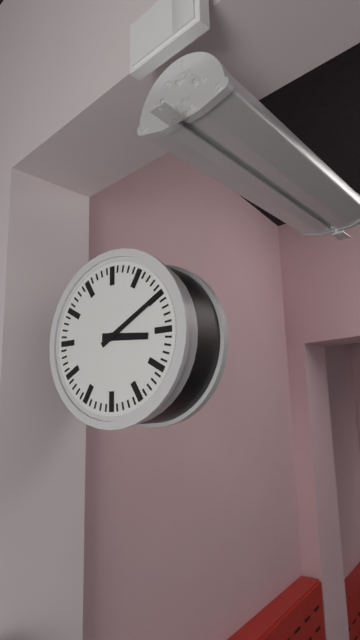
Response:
3.10
